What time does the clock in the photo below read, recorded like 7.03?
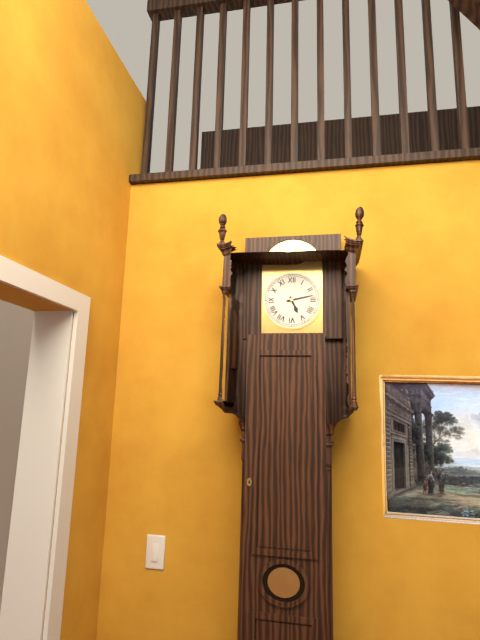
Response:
5.13
